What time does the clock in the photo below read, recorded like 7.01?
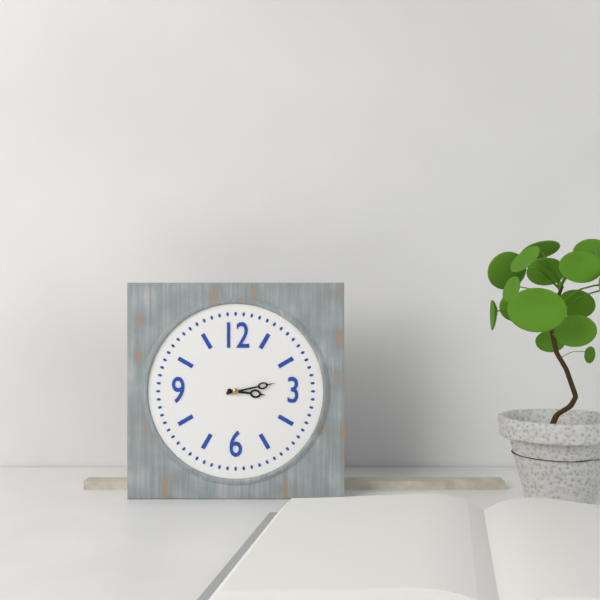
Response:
3.13
